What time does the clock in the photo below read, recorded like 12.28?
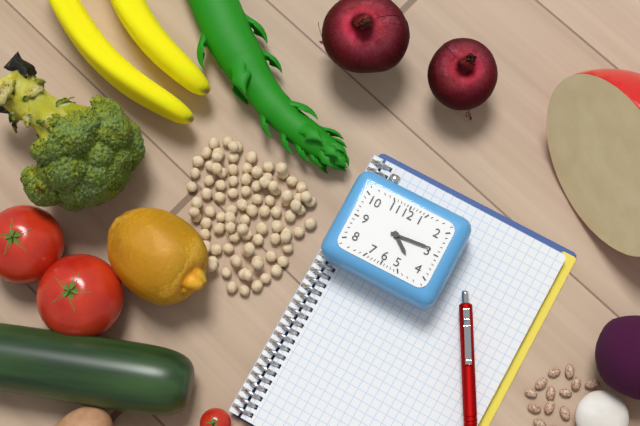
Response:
4.14
